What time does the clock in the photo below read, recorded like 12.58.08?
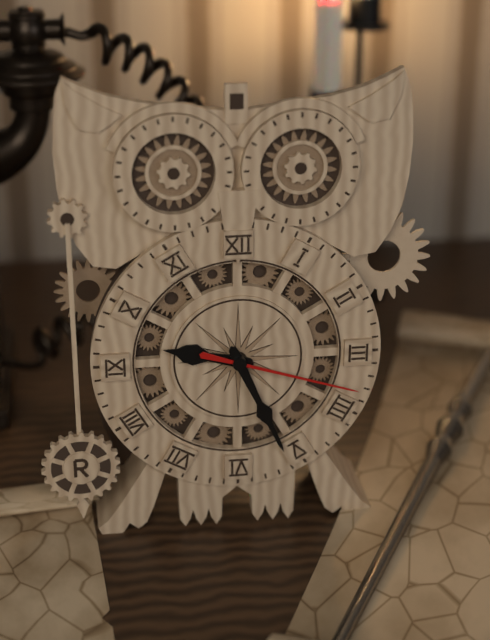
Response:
9.26.18
